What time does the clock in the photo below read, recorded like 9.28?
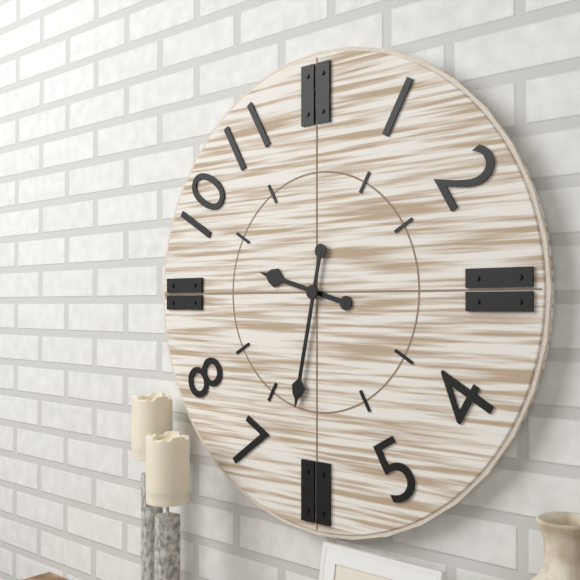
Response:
9.32
